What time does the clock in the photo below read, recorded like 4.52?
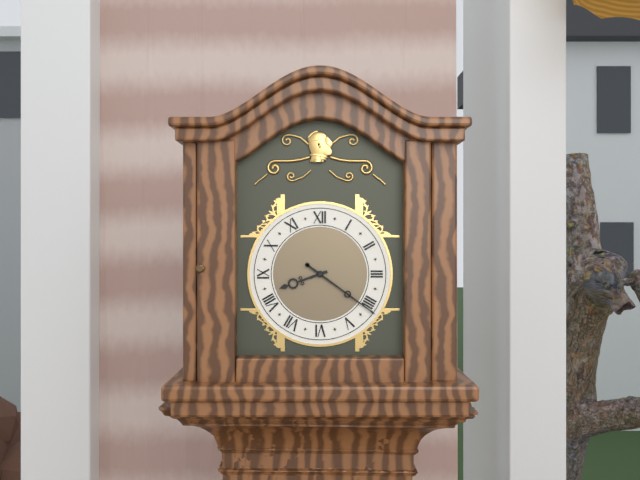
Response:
8.21
